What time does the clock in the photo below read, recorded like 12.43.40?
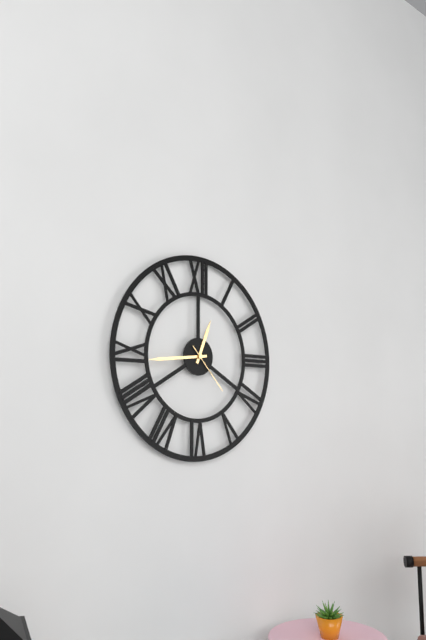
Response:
12.44.23
